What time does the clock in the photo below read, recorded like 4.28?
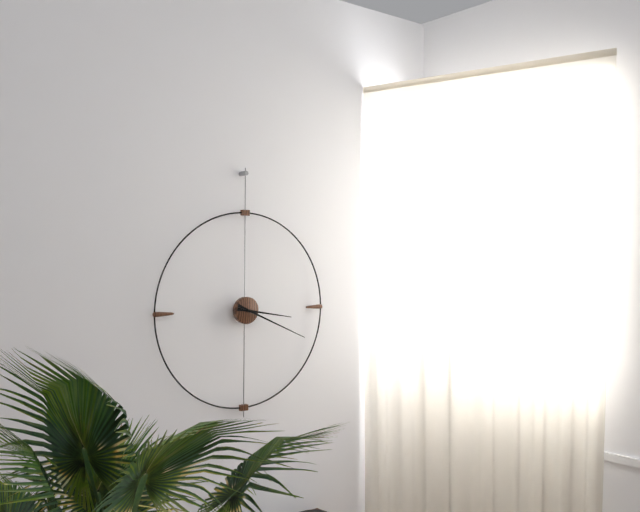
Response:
3.19
